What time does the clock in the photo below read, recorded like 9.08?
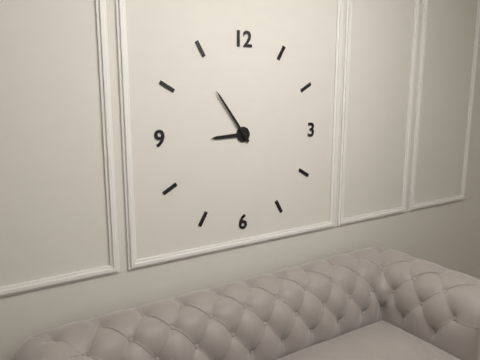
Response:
8.54
